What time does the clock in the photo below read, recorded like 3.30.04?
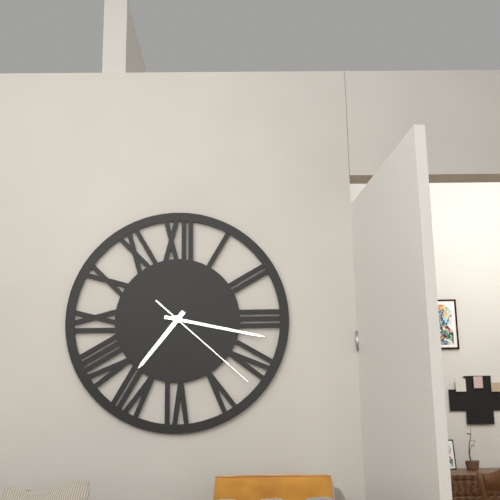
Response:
7.17.22
